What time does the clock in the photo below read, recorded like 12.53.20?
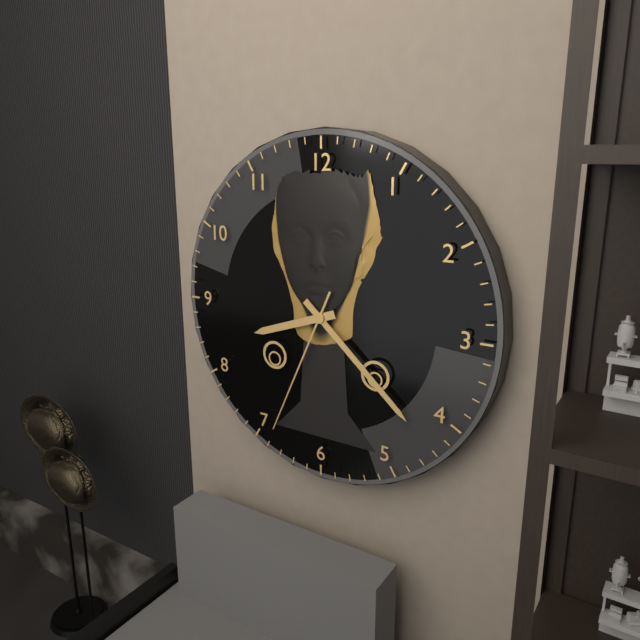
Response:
8.22.34
